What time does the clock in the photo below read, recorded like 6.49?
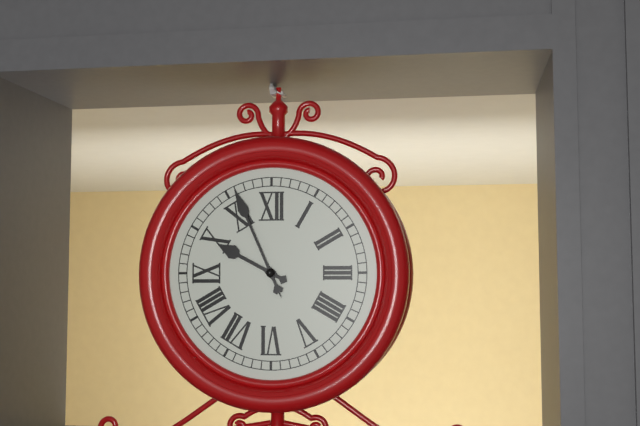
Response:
9.56
